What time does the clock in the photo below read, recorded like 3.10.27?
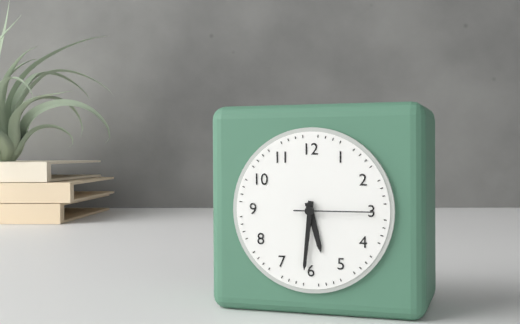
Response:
5.31.15
